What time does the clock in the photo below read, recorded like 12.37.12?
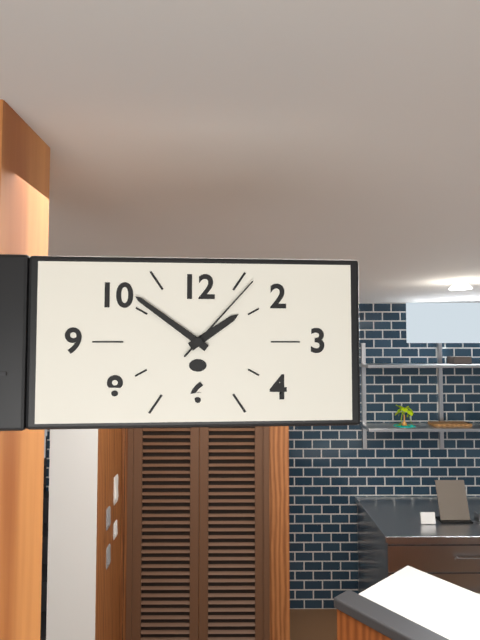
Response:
1.51.07
